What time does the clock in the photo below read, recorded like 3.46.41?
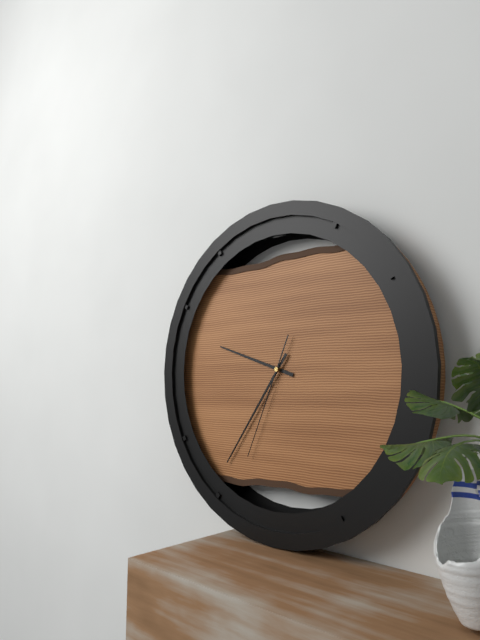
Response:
9.36.34
